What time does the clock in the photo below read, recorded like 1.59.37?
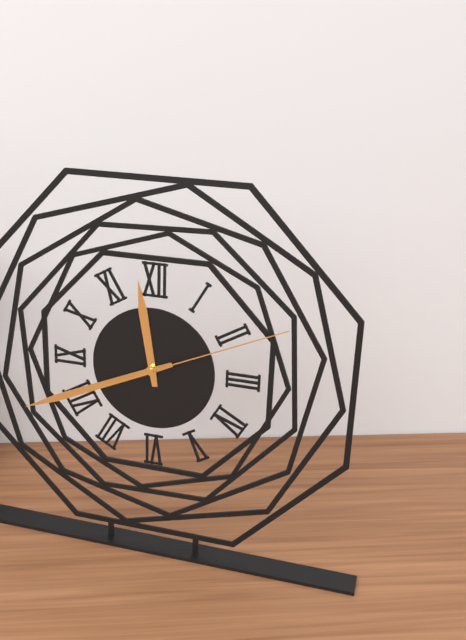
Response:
11.41.11
